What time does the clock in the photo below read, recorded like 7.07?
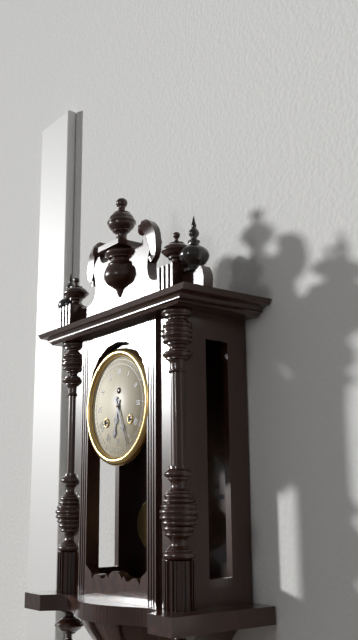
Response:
6.26
